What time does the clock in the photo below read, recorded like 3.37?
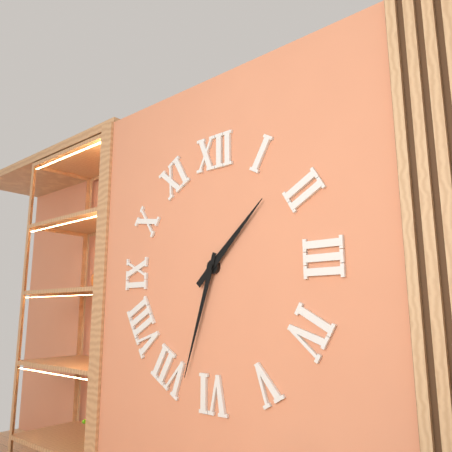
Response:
1.33
